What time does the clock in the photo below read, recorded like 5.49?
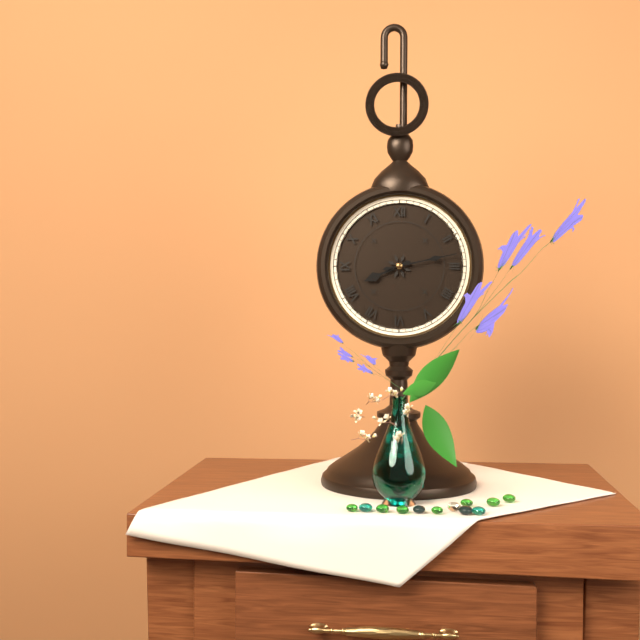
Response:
8.13
